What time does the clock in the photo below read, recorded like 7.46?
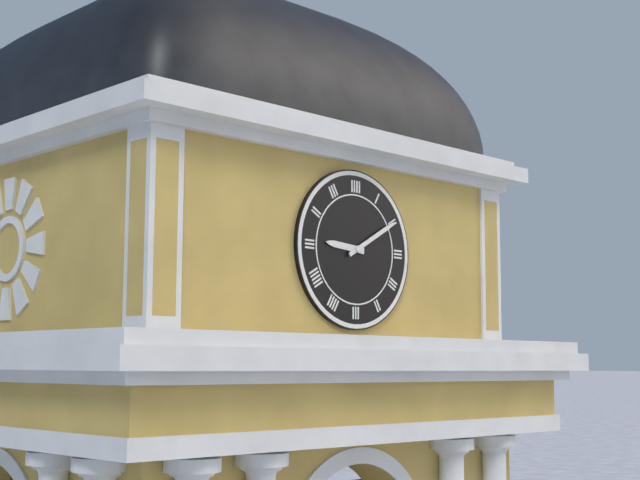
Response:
9.10
